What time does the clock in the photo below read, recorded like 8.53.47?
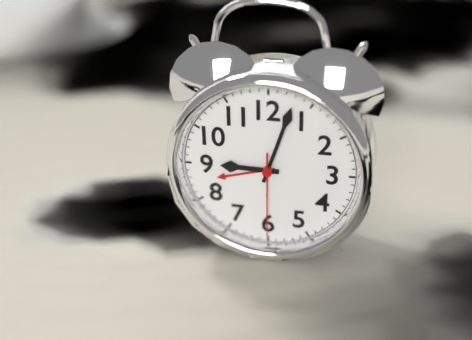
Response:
9.03.30
